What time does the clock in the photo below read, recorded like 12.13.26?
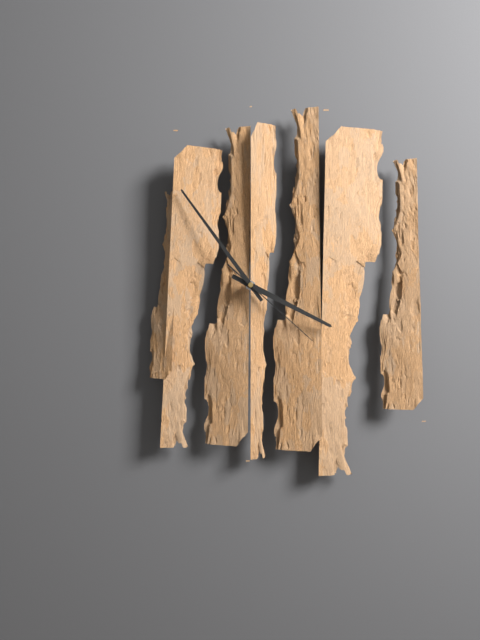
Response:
3.54.22
